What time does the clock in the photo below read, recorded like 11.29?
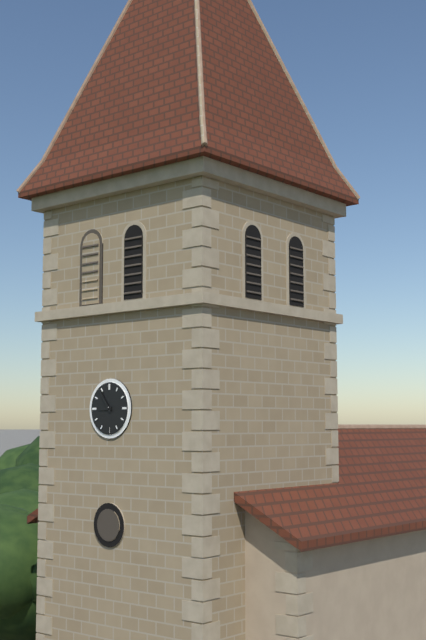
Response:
8.54
